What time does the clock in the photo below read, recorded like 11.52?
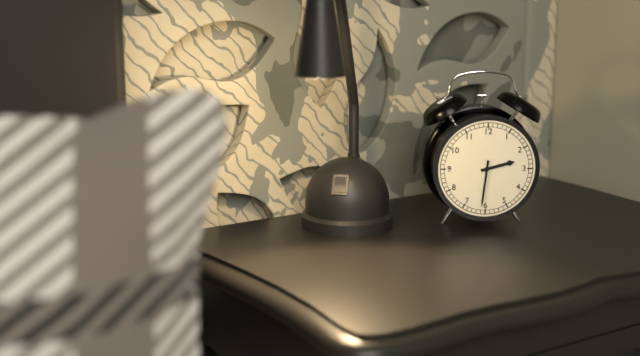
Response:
2.31
